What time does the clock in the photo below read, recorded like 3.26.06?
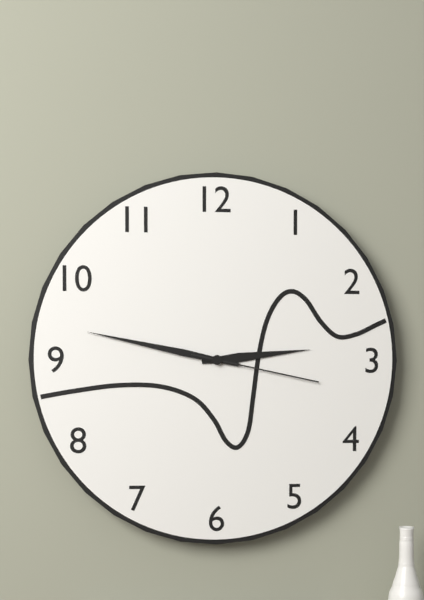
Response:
2.47.17
